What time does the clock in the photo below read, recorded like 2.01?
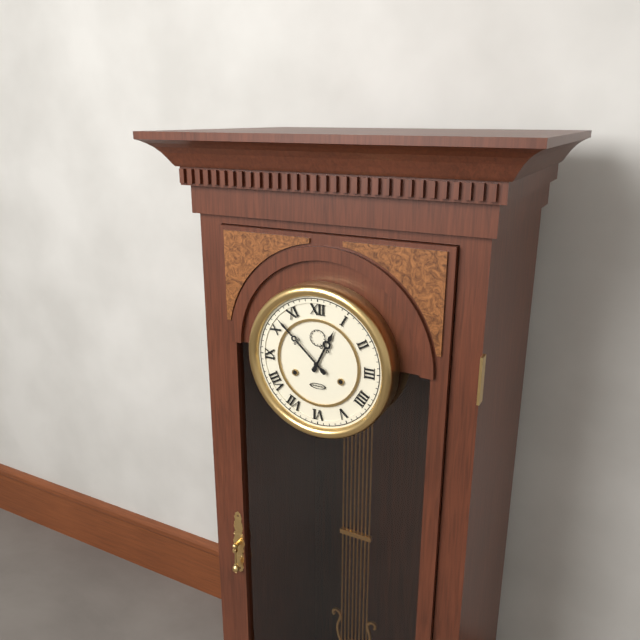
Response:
12.52
